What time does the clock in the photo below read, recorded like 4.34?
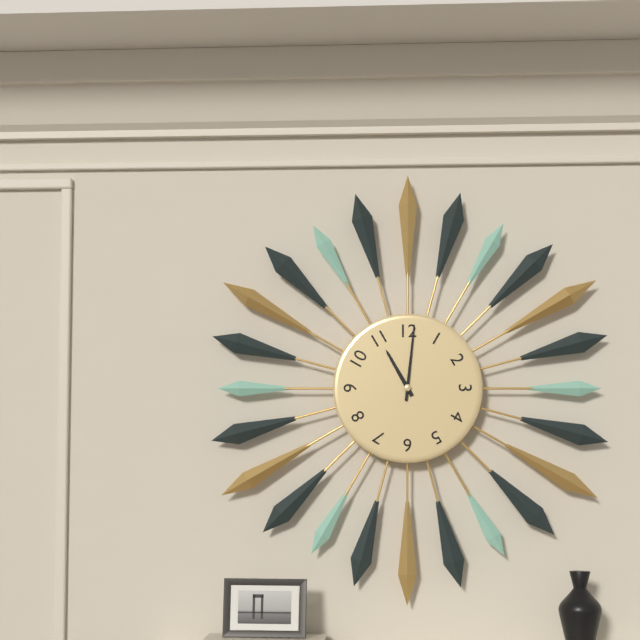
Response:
11.01
